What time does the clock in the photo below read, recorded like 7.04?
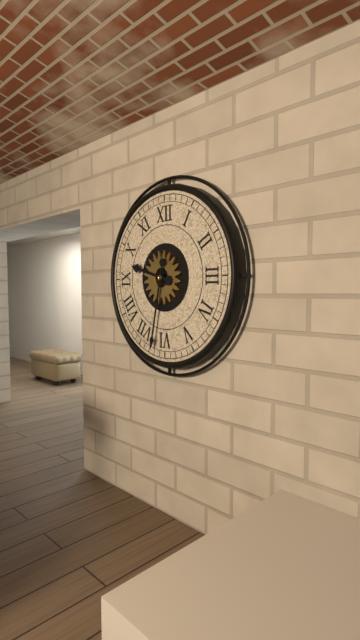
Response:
9.32
